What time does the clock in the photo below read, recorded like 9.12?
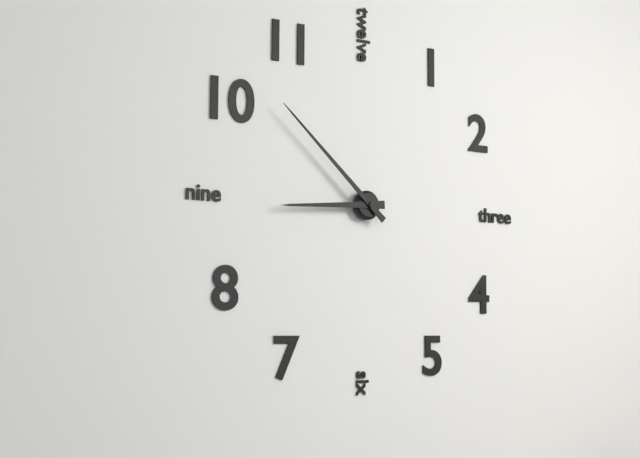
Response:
8.52
